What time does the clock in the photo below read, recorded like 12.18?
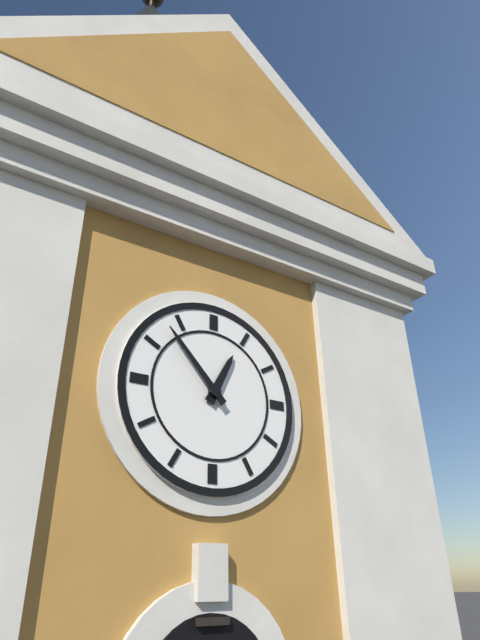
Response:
12.53
